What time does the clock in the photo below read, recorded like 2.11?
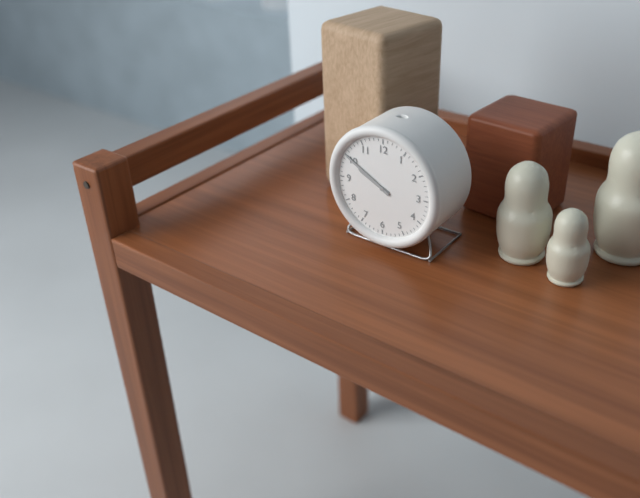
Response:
9.50
